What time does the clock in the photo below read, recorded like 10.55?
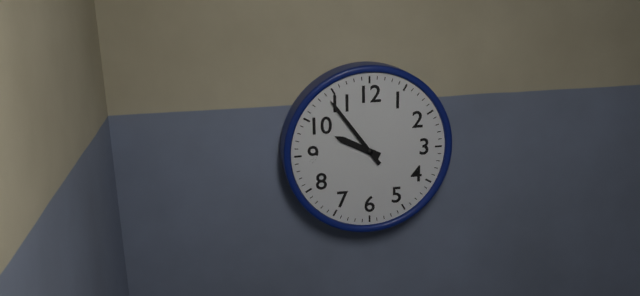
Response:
9.54
